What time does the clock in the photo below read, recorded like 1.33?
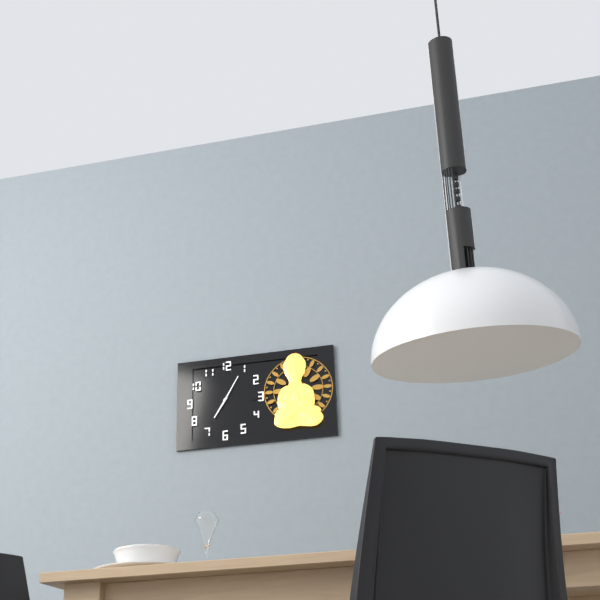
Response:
7.05
